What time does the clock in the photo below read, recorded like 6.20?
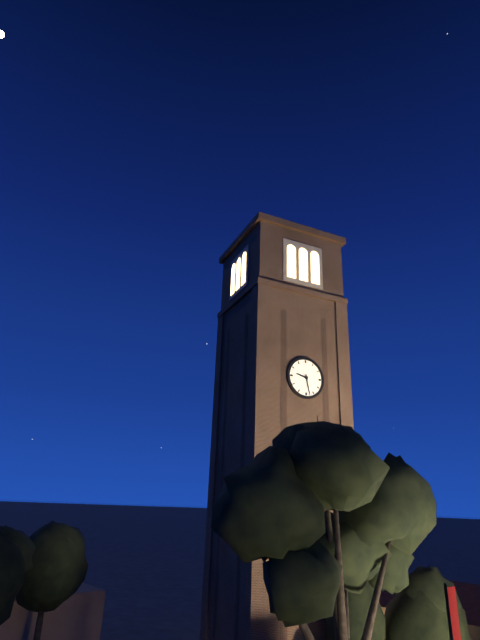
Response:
9.28
